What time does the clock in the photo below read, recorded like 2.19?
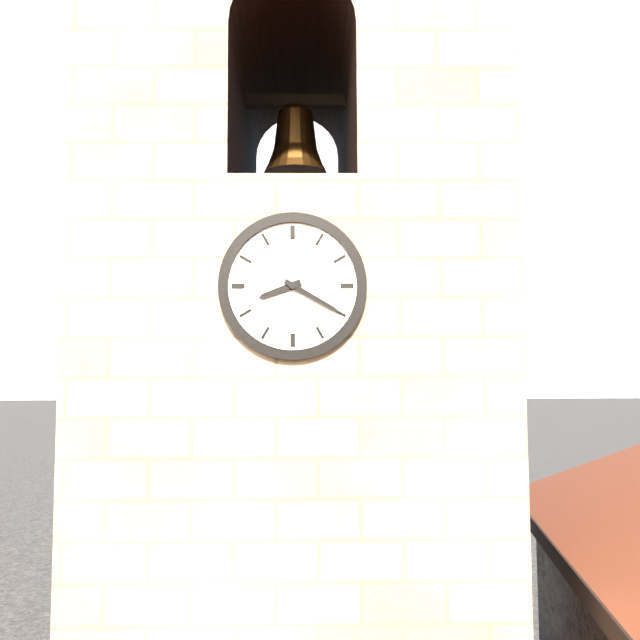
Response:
8.20
